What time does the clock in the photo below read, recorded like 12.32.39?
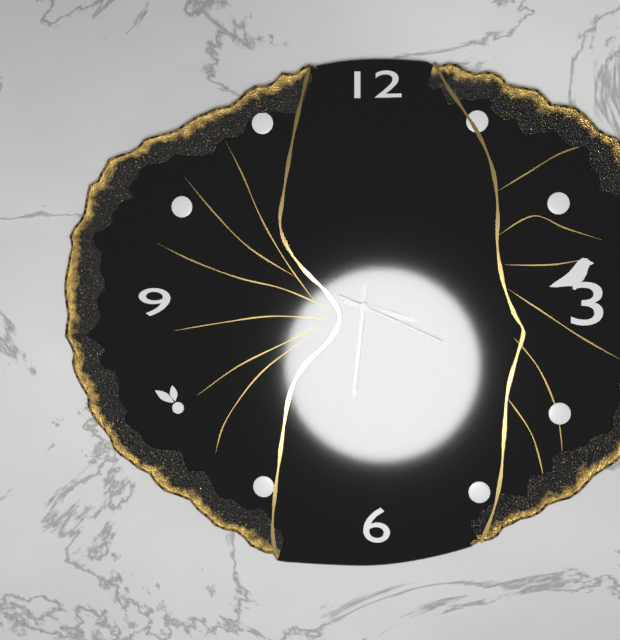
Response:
3.31.19
